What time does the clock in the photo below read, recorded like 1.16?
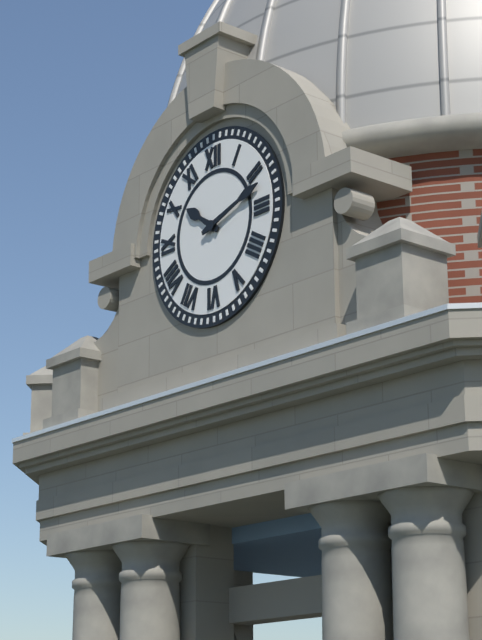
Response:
10.12
